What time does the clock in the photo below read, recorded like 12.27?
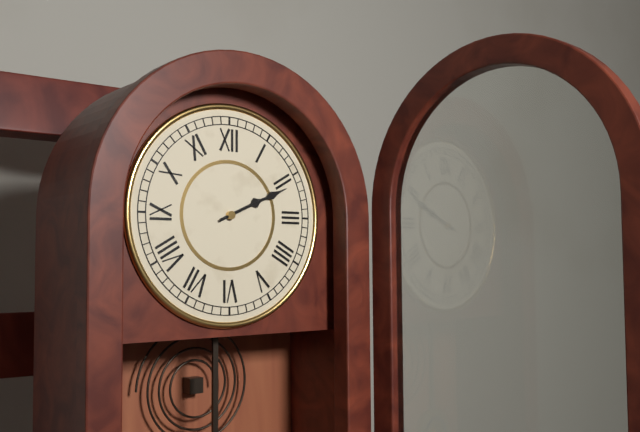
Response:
2.11
